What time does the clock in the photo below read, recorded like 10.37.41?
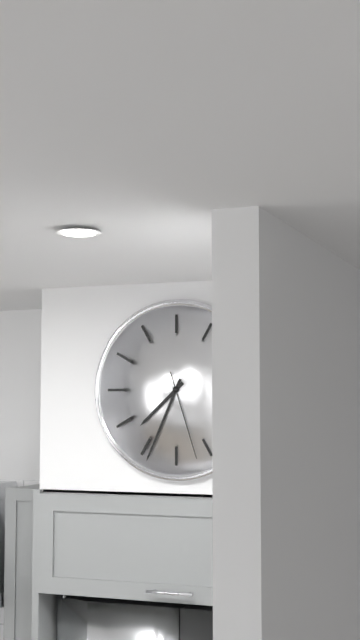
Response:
7.34.27
